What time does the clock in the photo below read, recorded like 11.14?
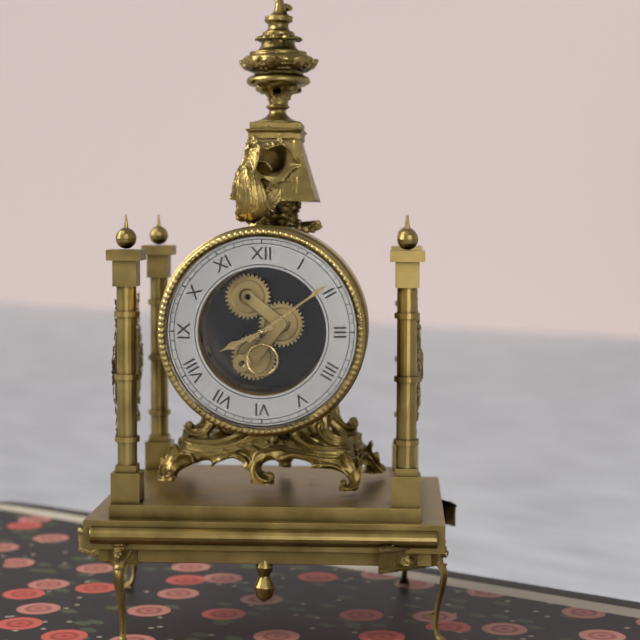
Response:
8.09
